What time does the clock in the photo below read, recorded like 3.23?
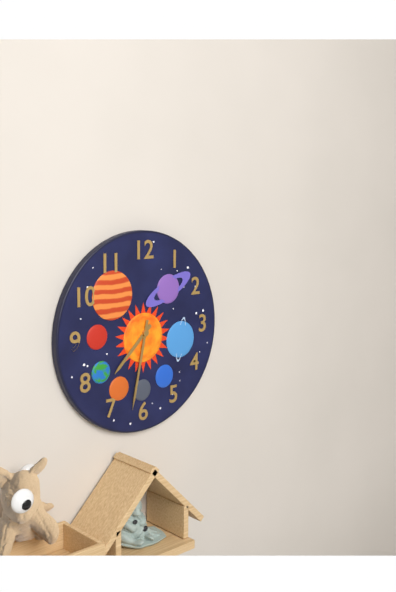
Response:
7.32
